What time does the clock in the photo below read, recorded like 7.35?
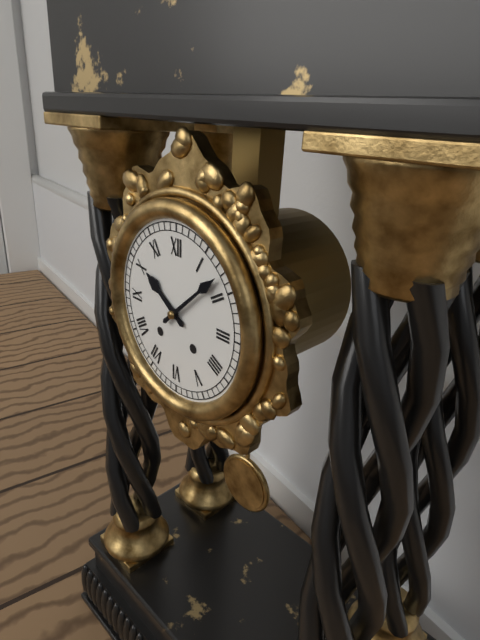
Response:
10.08
